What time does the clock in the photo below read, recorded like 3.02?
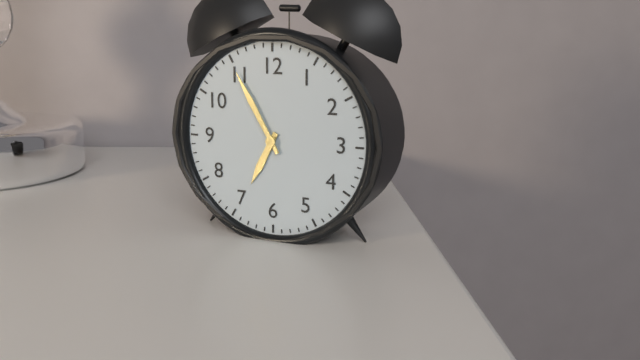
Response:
6.55
